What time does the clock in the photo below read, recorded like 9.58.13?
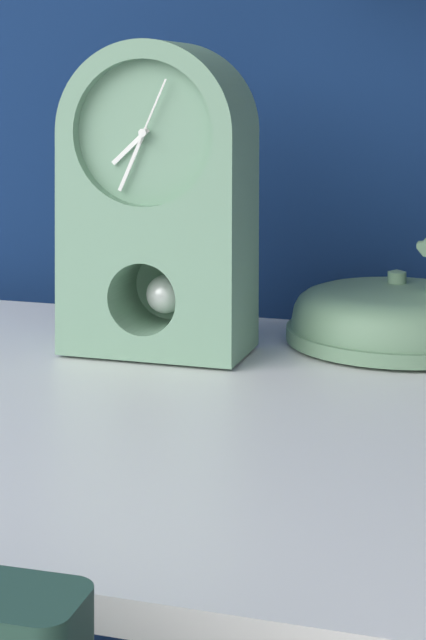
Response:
7.34.04
